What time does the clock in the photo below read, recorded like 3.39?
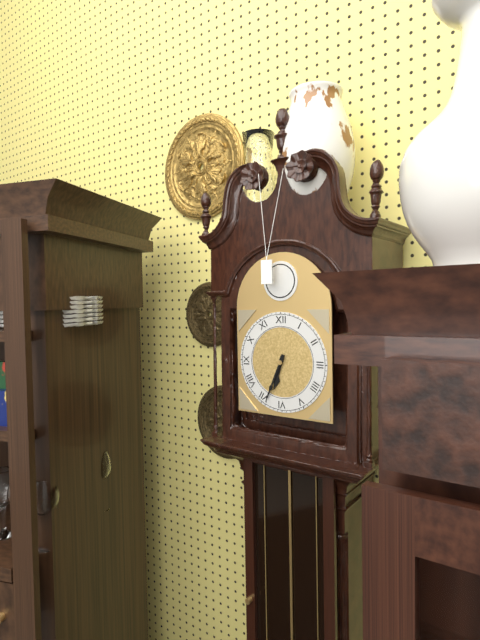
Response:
6.34
